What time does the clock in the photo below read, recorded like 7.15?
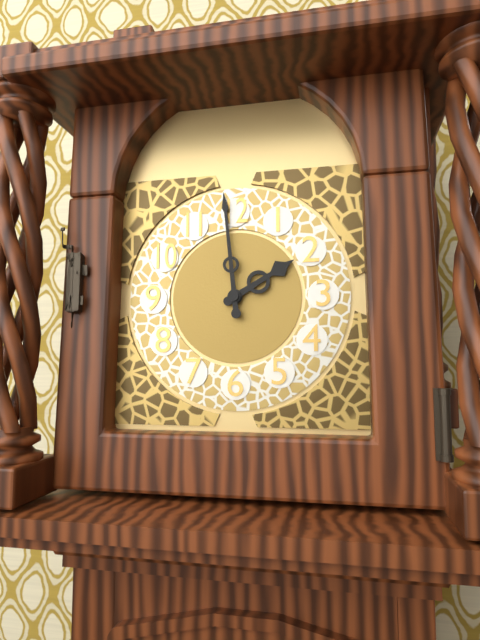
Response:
1.59
